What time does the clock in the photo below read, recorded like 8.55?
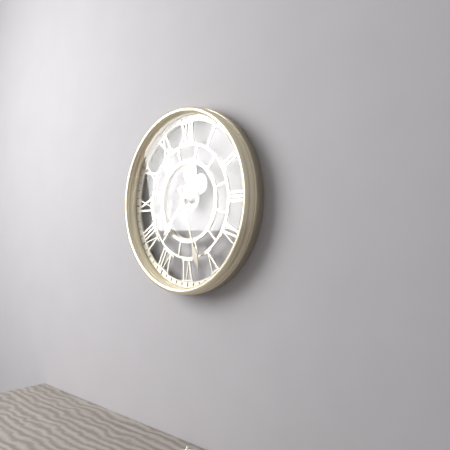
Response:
7.27
